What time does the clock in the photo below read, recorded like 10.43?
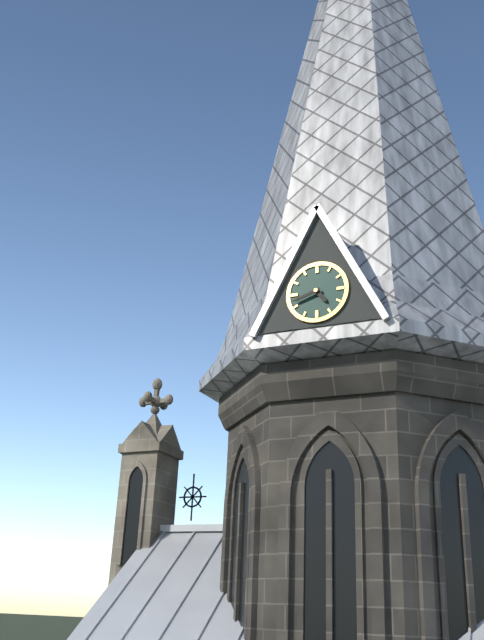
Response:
4.42
